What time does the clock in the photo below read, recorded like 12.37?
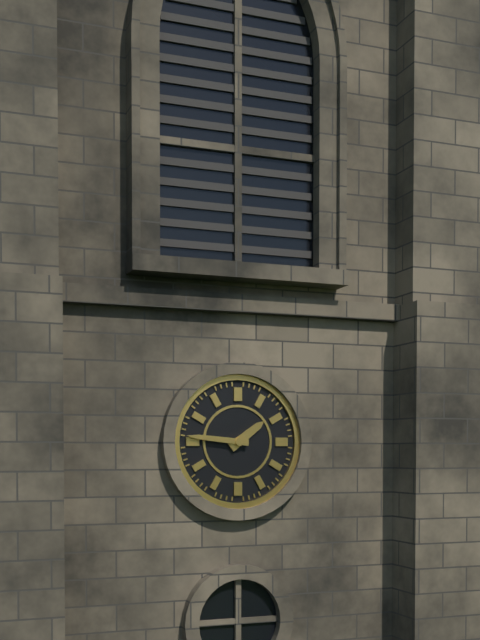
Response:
1.46
